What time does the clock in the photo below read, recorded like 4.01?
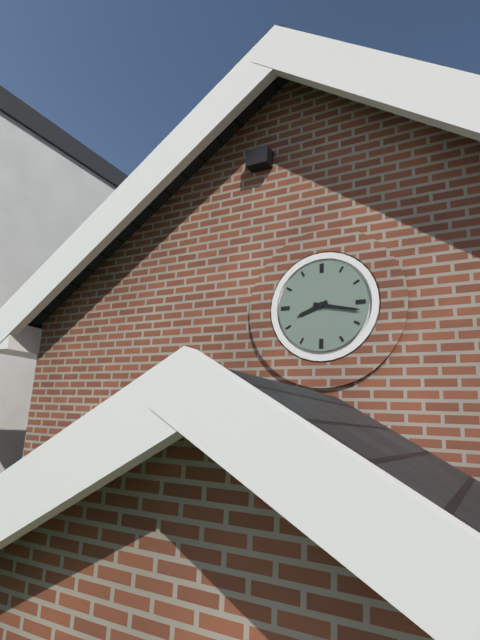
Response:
8.17
